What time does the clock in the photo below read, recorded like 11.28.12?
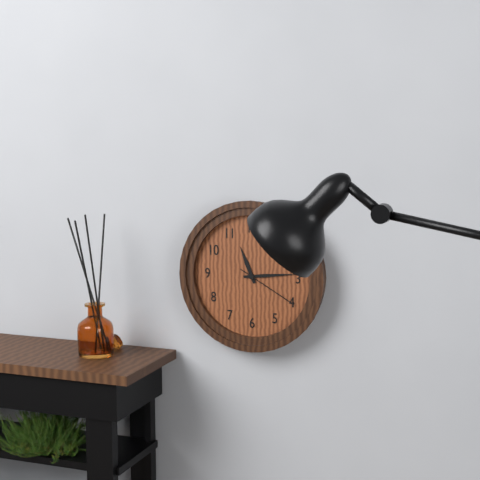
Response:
11.14.20
